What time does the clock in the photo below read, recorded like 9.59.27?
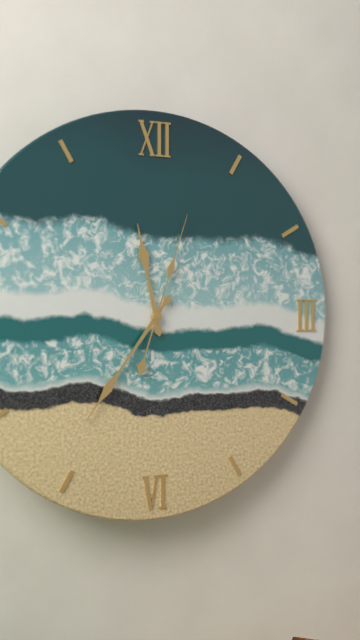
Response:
11.36.03
